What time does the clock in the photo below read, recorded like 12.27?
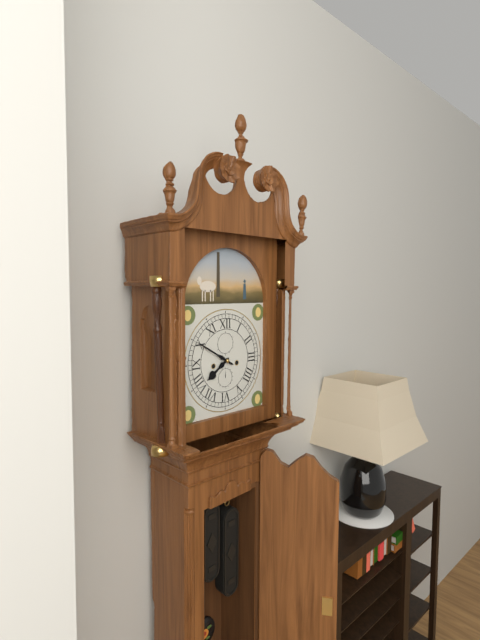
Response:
7.50
